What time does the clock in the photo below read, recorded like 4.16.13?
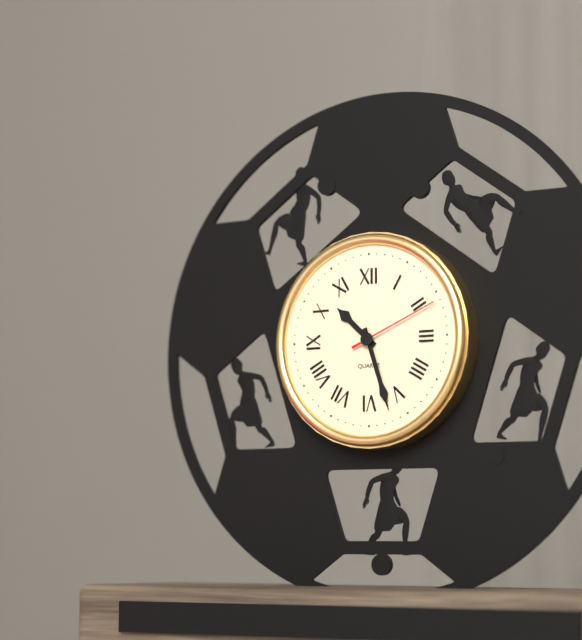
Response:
10.27.11
